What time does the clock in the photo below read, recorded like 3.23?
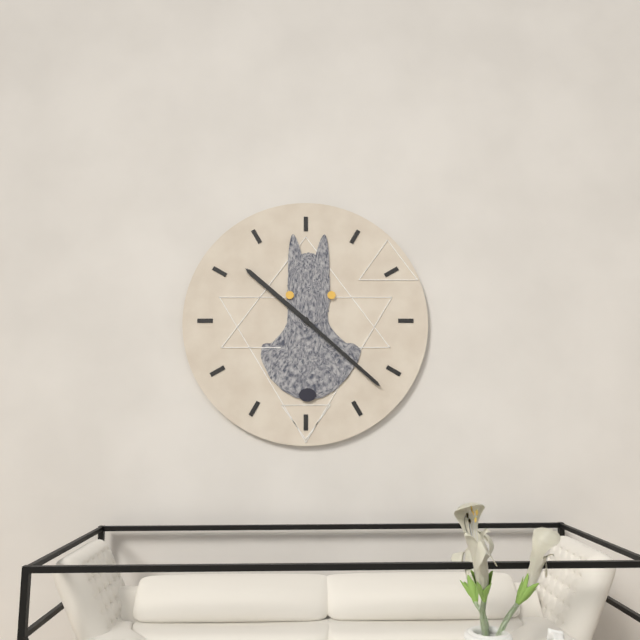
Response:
10.22
